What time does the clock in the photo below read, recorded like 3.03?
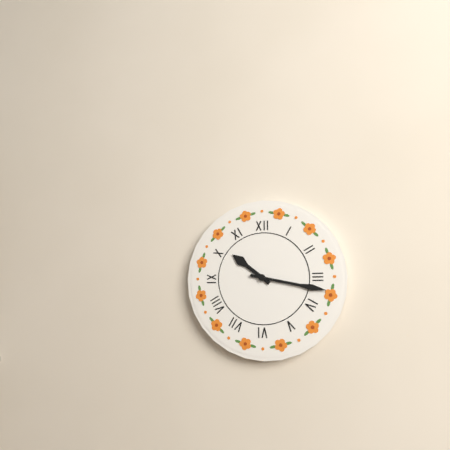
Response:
10.17
